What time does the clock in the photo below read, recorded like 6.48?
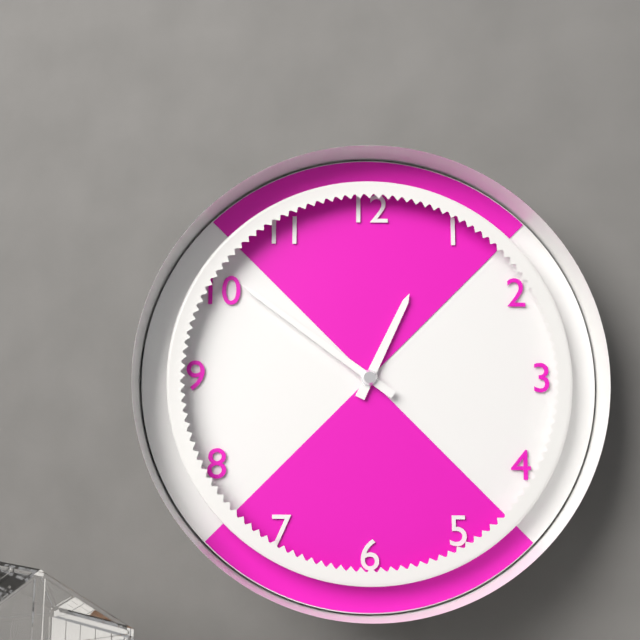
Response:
12.51
